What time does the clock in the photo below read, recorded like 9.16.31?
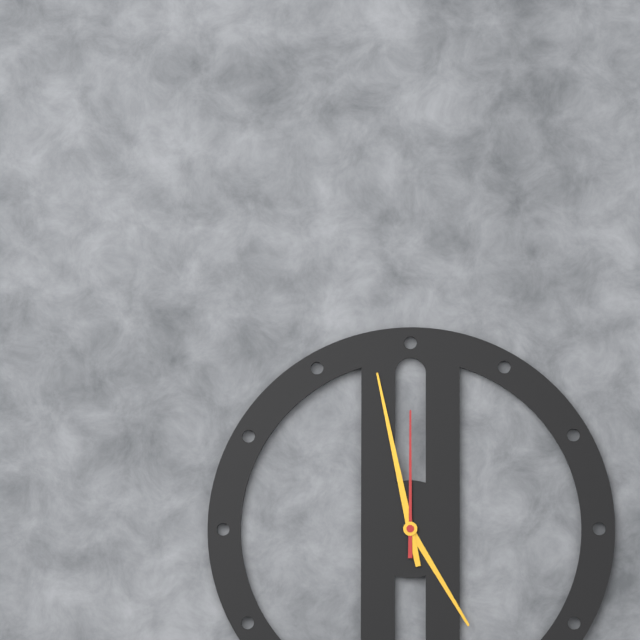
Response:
4.58.00
